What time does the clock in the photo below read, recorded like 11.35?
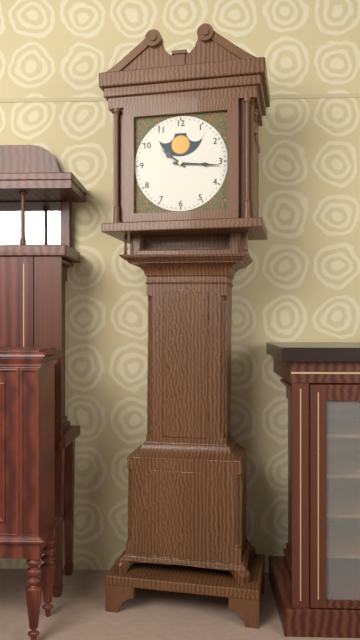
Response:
10.16
